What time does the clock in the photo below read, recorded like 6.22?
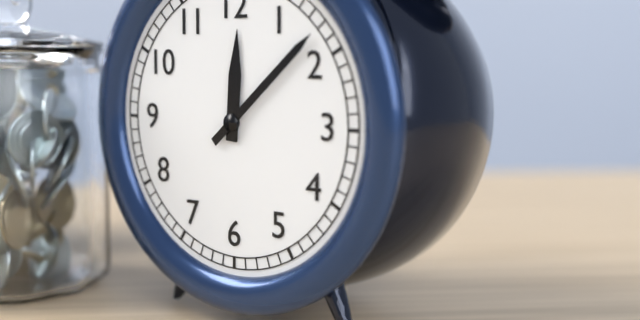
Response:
12.08
